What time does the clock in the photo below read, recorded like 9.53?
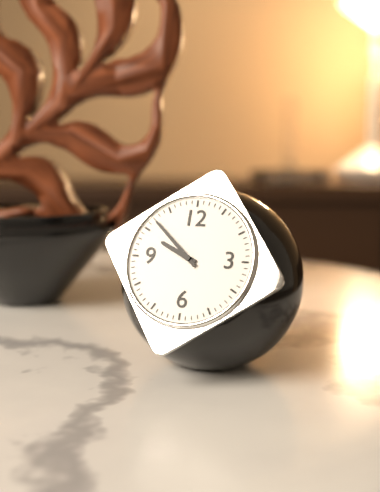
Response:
9.52
